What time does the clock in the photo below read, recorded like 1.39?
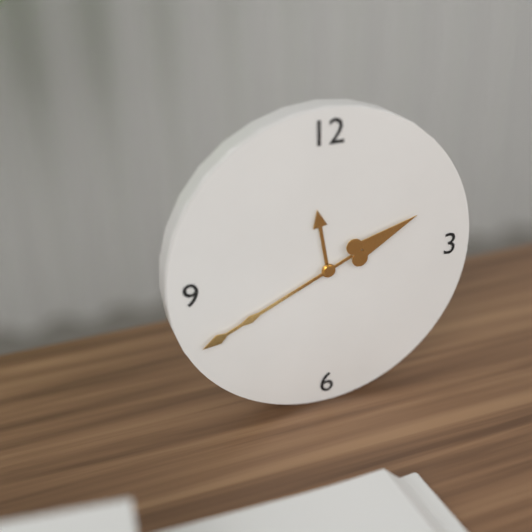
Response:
11.41
